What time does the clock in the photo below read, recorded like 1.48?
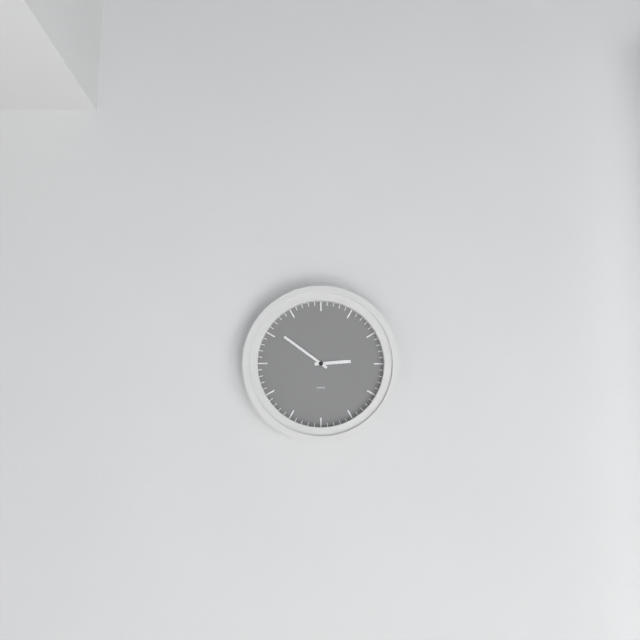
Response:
2.51
